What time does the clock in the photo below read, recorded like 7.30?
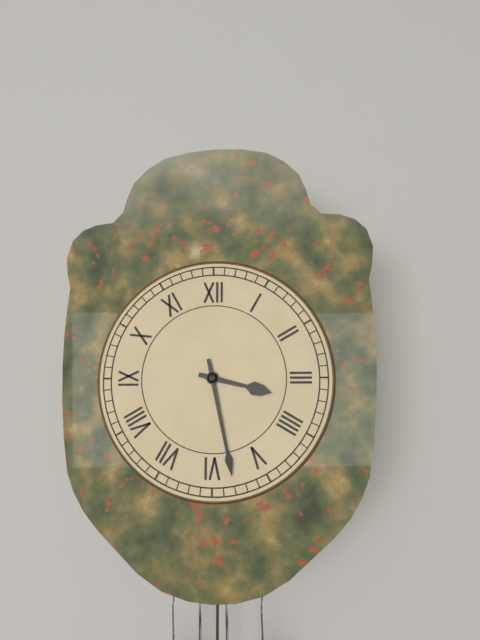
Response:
3.28
